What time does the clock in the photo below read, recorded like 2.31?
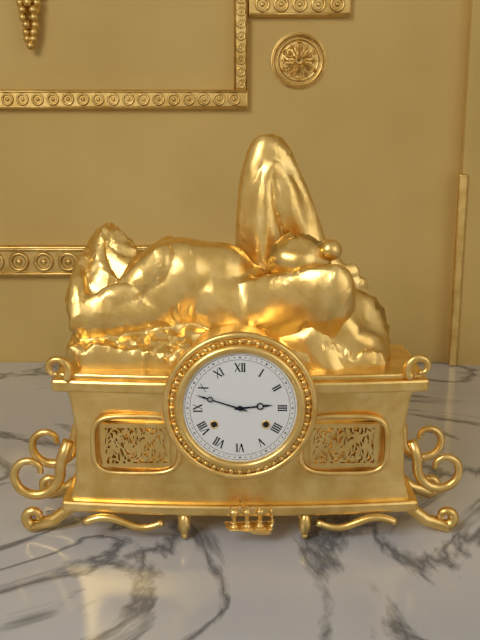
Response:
2.48
